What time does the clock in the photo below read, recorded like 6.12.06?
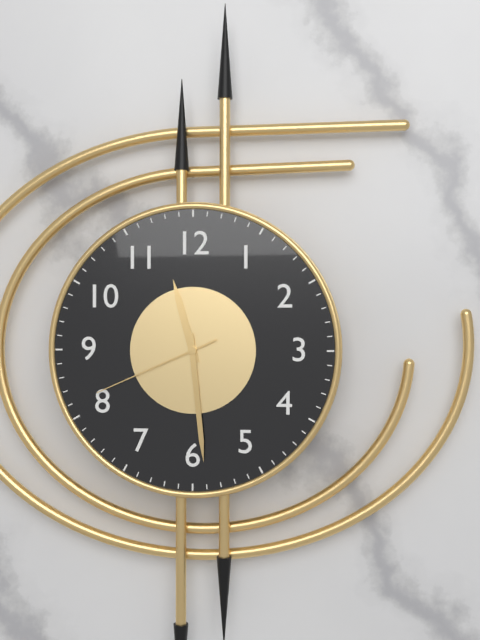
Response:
11.29.41
